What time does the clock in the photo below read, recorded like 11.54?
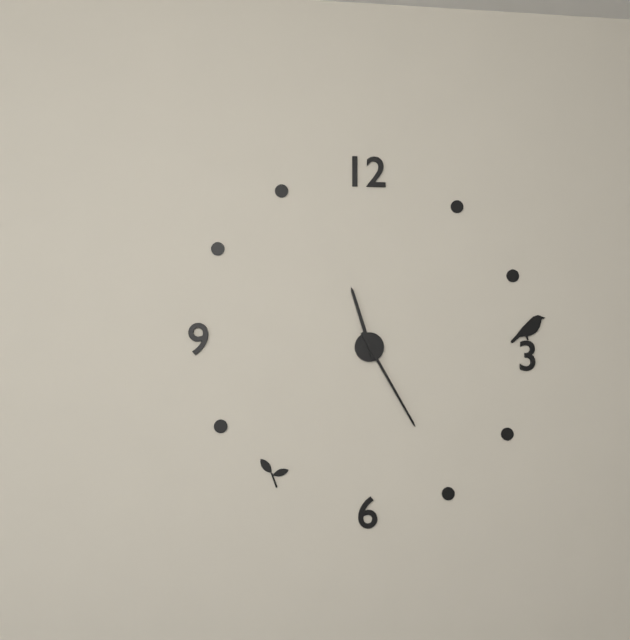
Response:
11.25
